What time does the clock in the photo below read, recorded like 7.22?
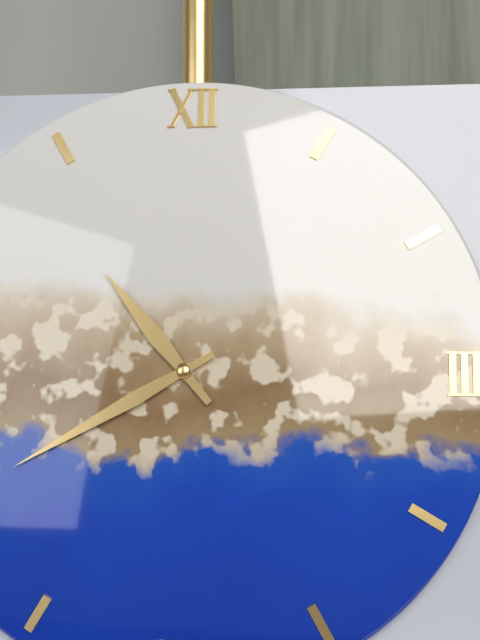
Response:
10.40
